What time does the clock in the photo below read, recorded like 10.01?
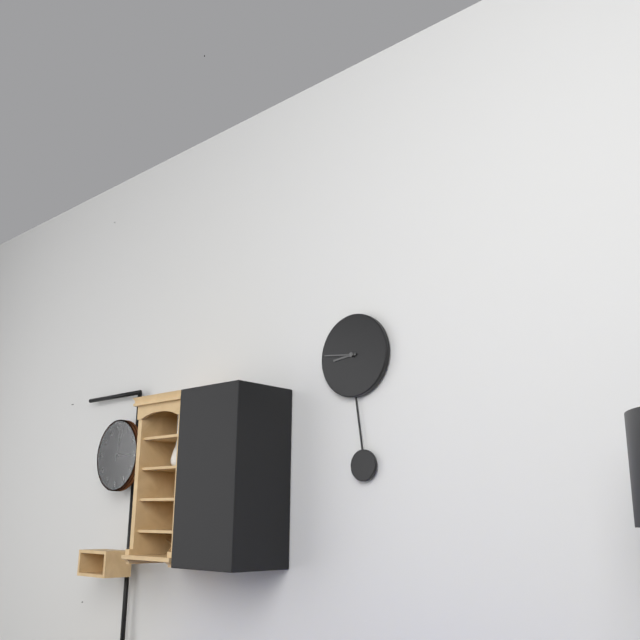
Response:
8.46
